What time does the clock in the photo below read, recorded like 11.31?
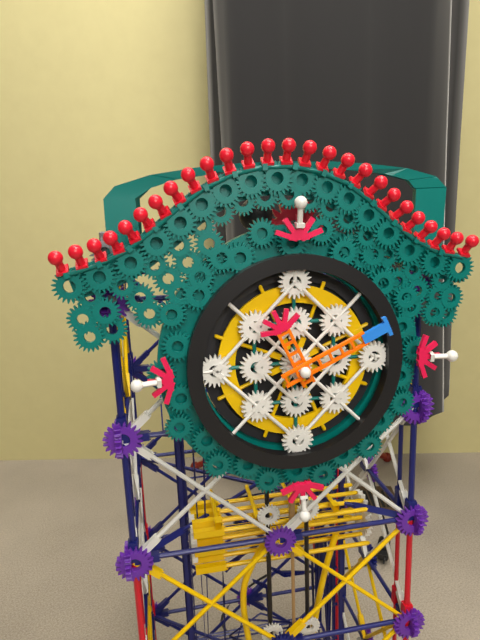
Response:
11.11
